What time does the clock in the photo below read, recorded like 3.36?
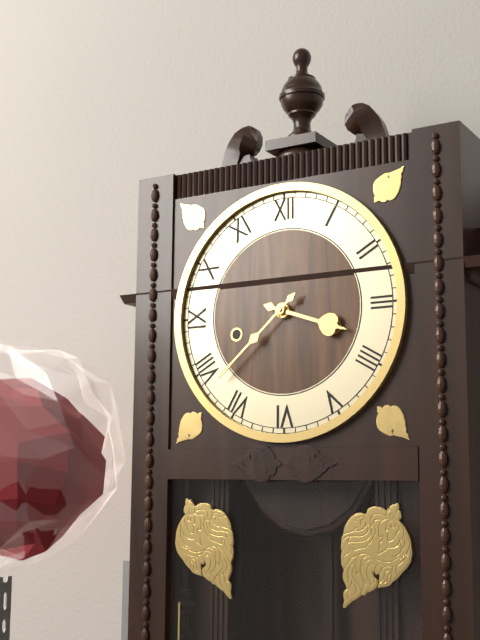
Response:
3.38
